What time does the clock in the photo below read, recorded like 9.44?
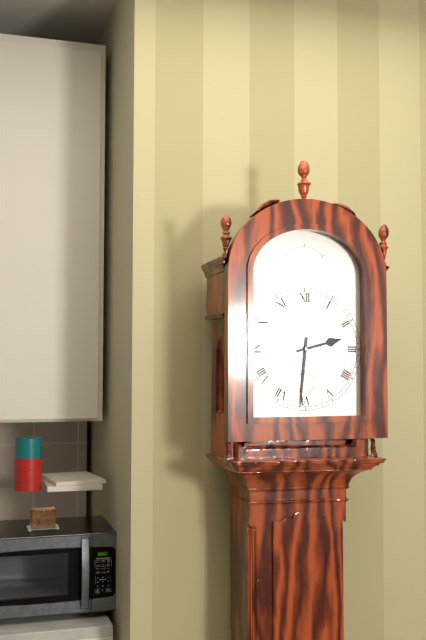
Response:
2.31
